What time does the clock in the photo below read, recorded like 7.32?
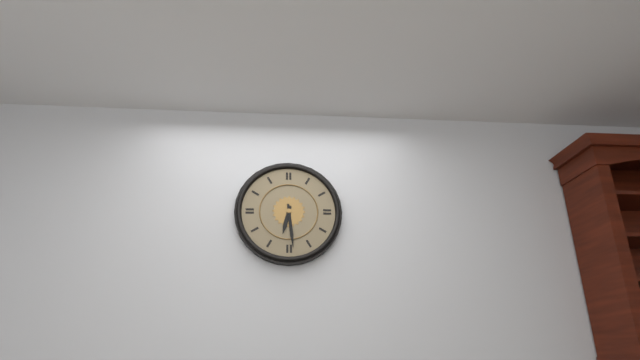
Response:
6.29
